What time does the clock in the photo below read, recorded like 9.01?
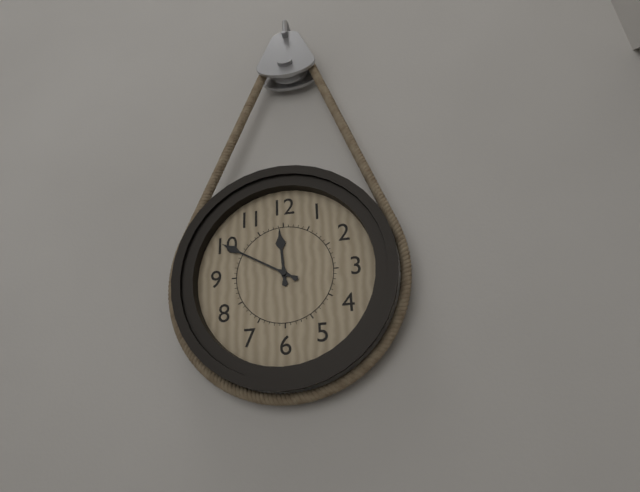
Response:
11.50
